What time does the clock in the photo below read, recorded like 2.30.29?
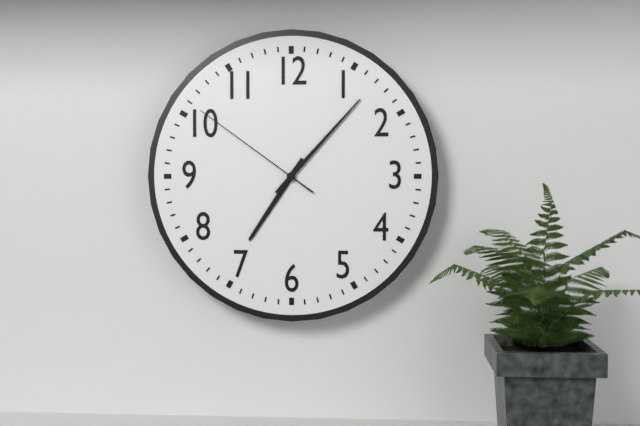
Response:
7.07.51
